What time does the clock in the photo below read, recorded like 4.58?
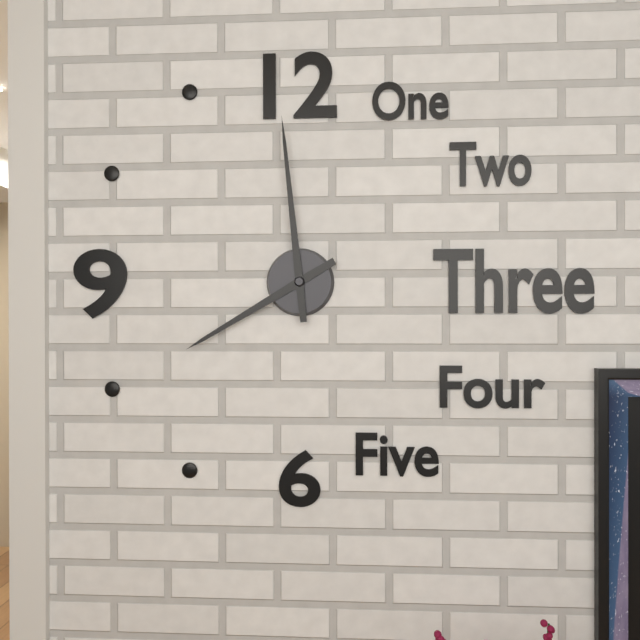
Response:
7.59
